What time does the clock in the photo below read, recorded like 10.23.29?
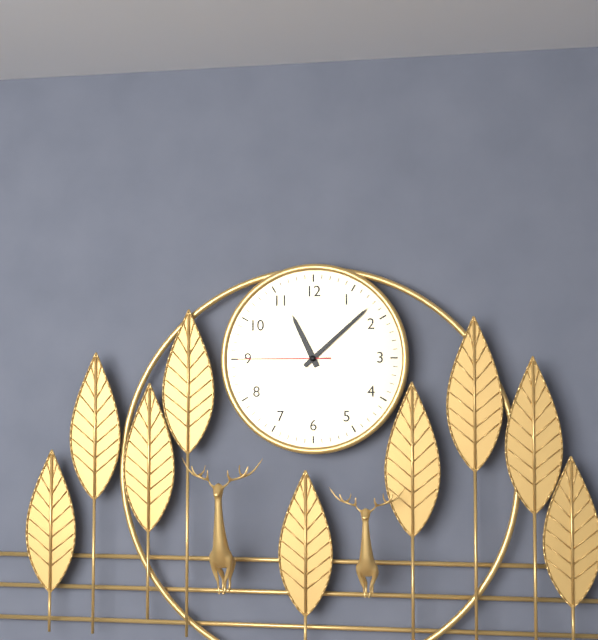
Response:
11.08.45
